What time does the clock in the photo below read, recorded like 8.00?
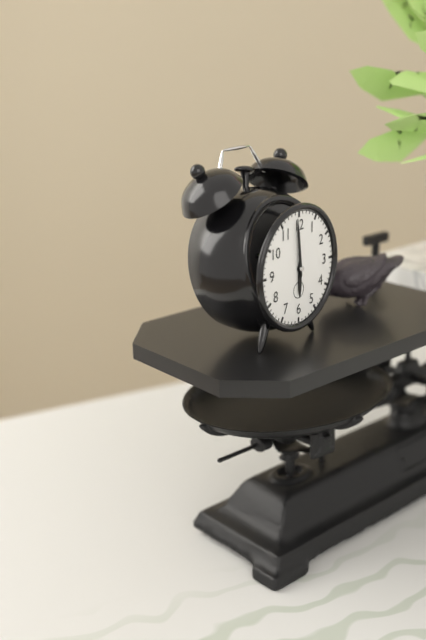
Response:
5.59
